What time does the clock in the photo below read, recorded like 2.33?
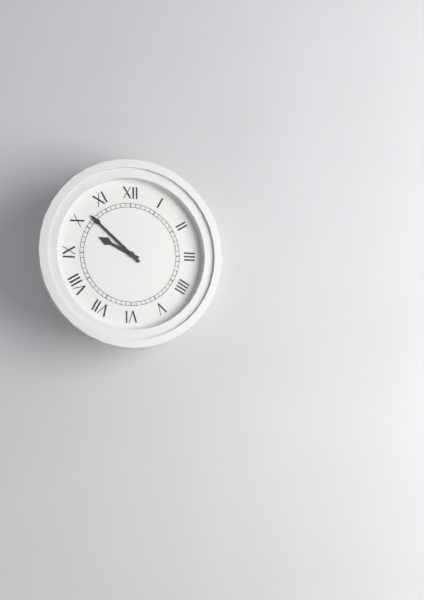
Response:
9.52
